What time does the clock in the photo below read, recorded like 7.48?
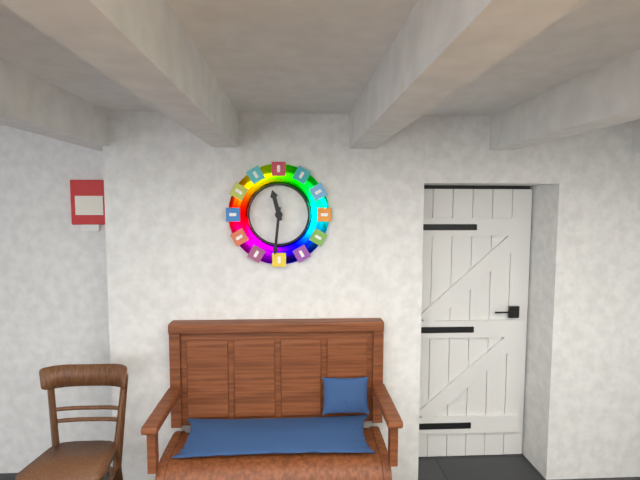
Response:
11.31
